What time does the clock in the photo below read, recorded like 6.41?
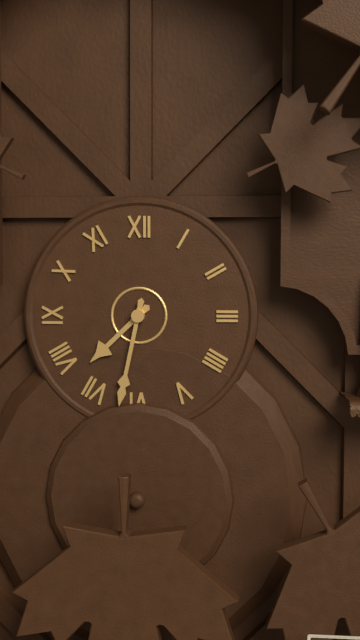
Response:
7.32
